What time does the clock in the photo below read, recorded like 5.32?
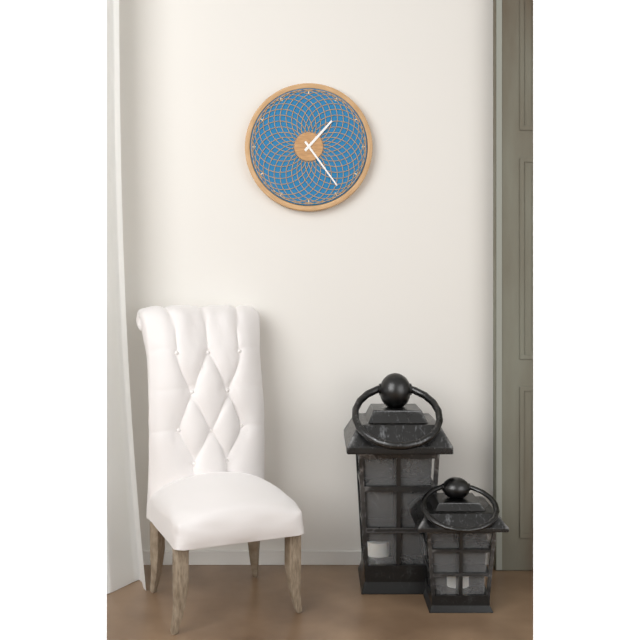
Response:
1.24
